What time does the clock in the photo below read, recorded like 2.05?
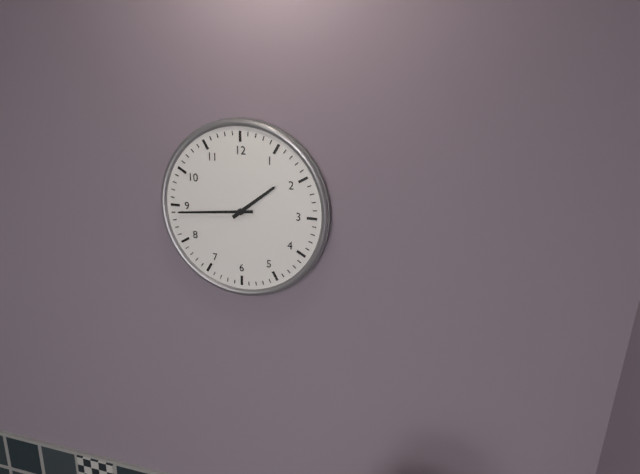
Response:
1.44
